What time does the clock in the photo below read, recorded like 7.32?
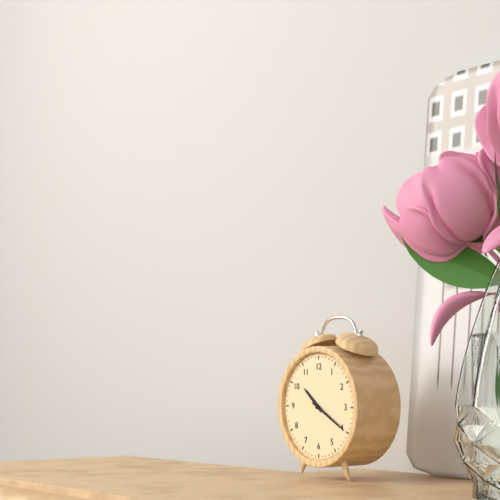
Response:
10.20
